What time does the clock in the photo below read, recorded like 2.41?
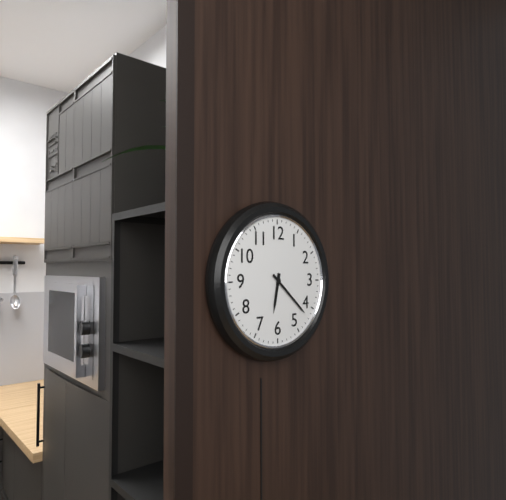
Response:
6.22
